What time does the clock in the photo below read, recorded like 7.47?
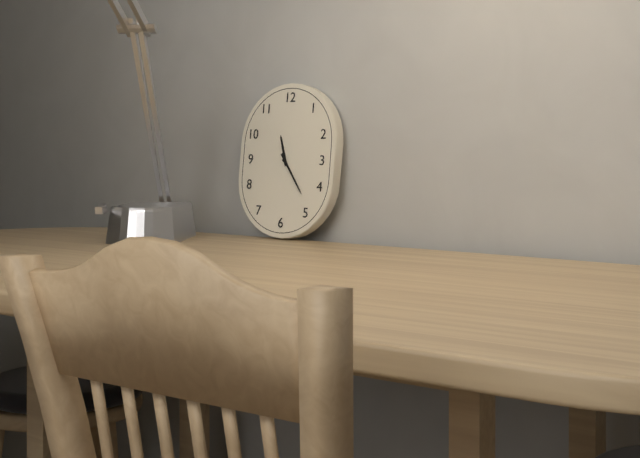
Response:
11.24
